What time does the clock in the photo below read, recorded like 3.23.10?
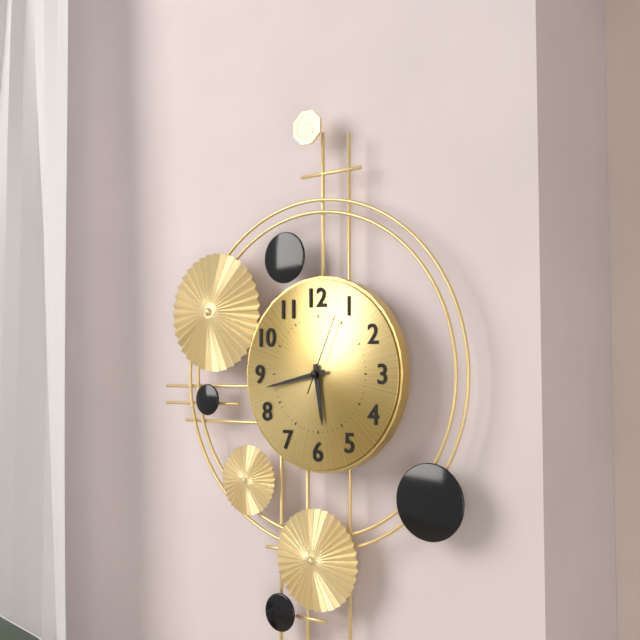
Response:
5.43.04
